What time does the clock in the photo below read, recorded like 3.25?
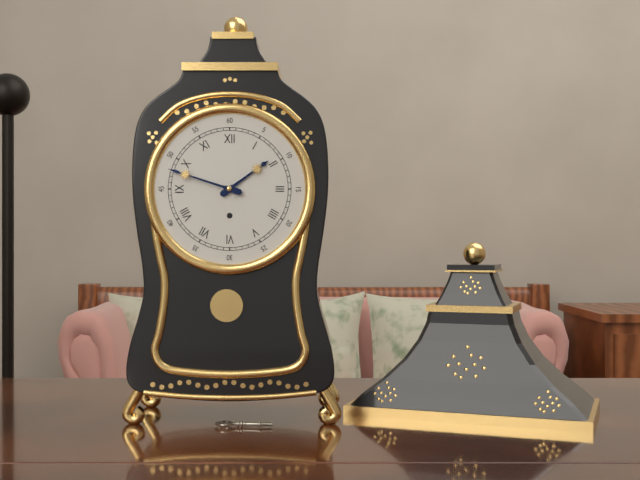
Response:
1.48
